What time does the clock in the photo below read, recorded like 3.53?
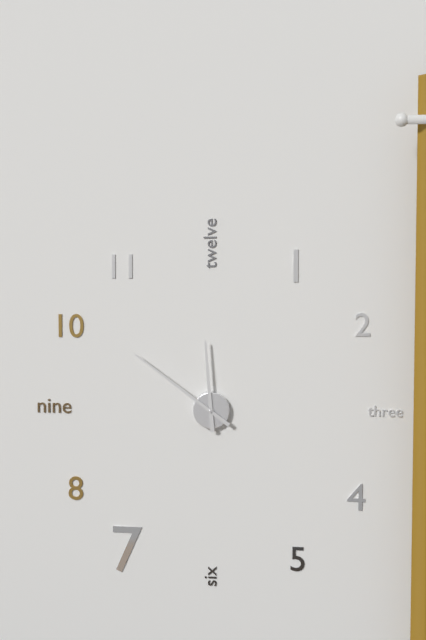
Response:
11.51
